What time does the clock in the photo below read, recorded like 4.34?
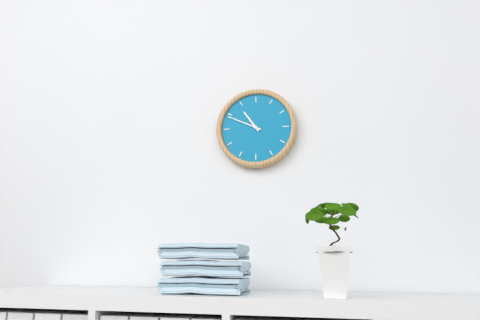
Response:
10.49
